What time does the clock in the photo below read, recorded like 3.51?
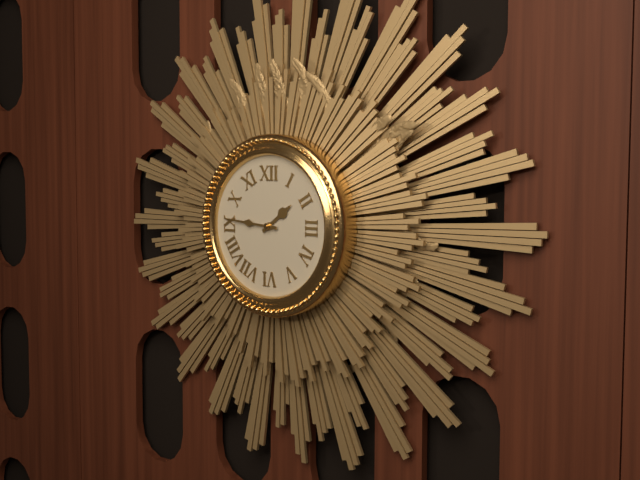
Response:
1.46
